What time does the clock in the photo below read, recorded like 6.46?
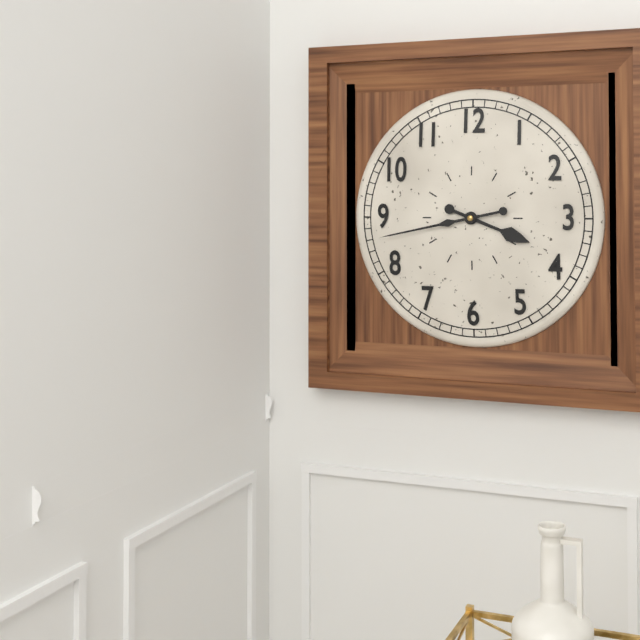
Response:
3.43
